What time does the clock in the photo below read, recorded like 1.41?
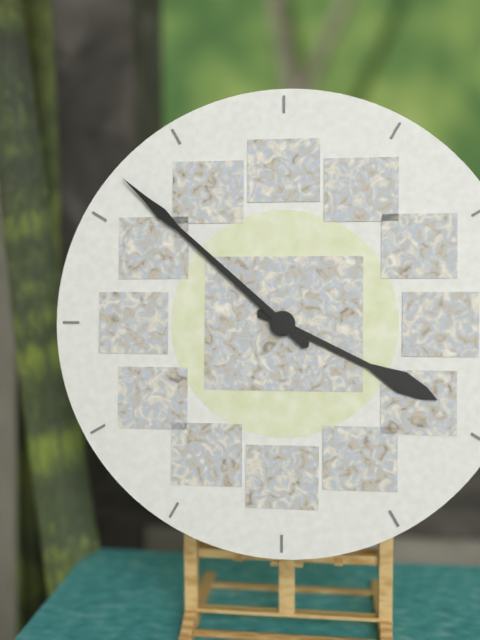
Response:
3.52
